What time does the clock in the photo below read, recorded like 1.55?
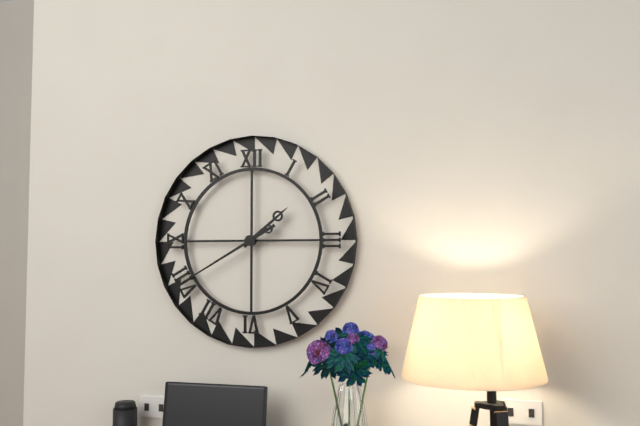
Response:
1.40
